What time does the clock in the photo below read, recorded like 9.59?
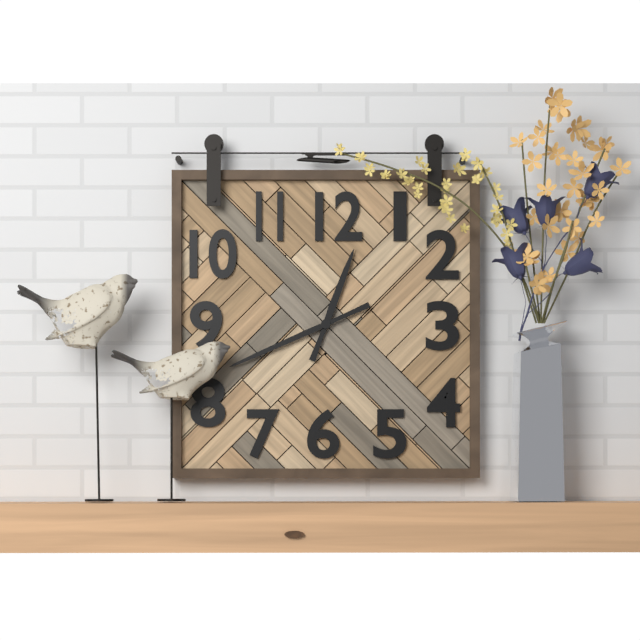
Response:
12.41
